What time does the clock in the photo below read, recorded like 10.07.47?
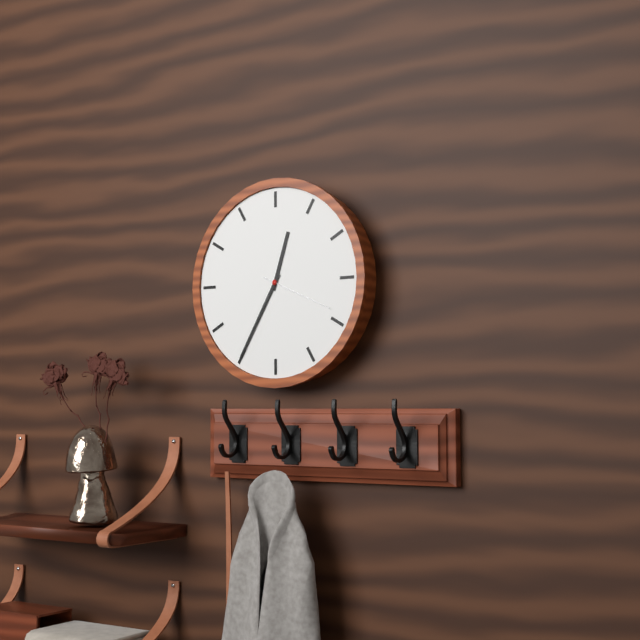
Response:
12.35.19
